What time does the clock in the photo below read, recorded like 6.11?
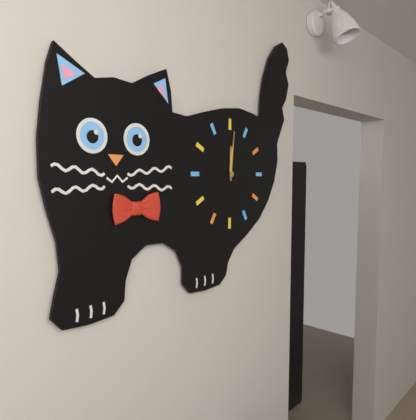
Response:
12.01
